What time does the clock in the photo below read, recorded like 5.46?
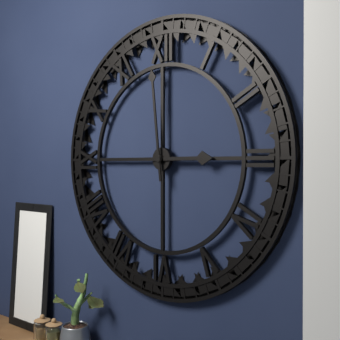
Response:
2.59
